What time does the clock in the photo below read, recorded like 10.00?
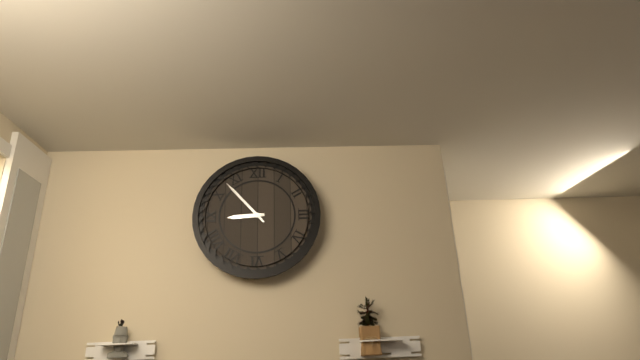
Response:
8.53
